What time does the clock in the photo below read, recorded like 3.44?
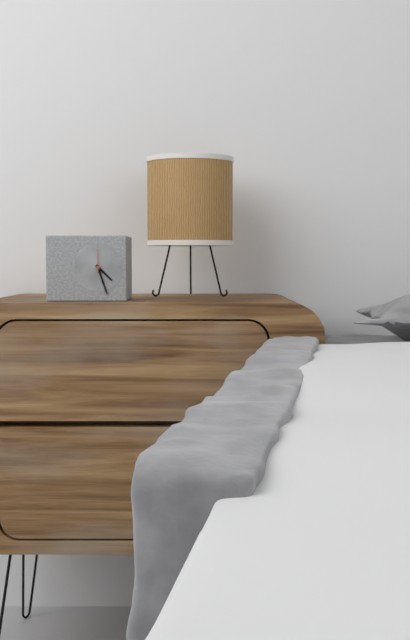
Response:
4.27
